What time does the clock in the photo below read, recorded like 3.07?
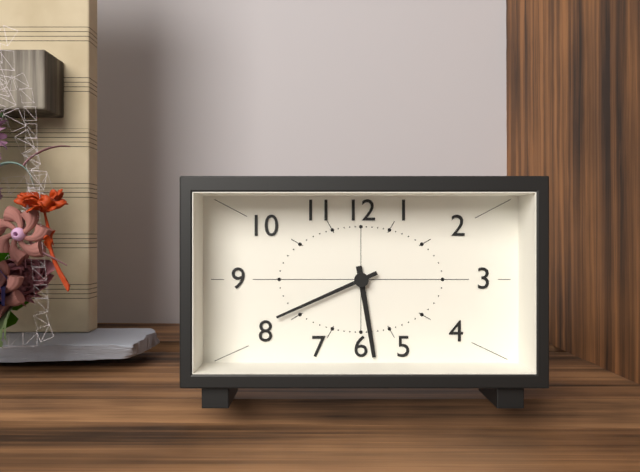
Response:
5.41
